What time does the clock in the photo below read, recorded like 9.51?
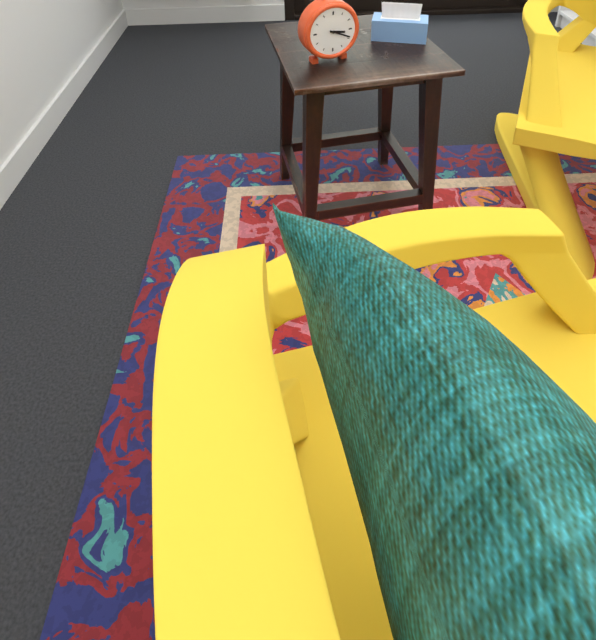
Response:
3.19
